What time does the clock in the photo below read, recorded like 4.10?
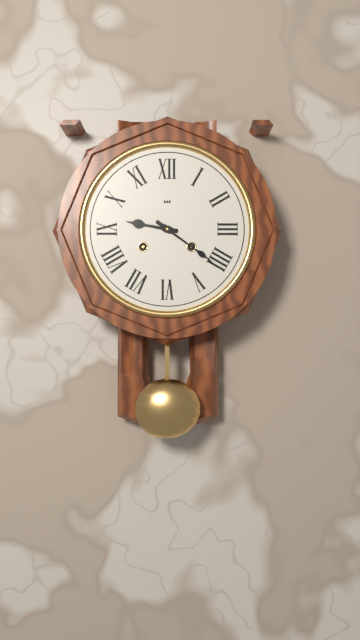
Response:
9.21
